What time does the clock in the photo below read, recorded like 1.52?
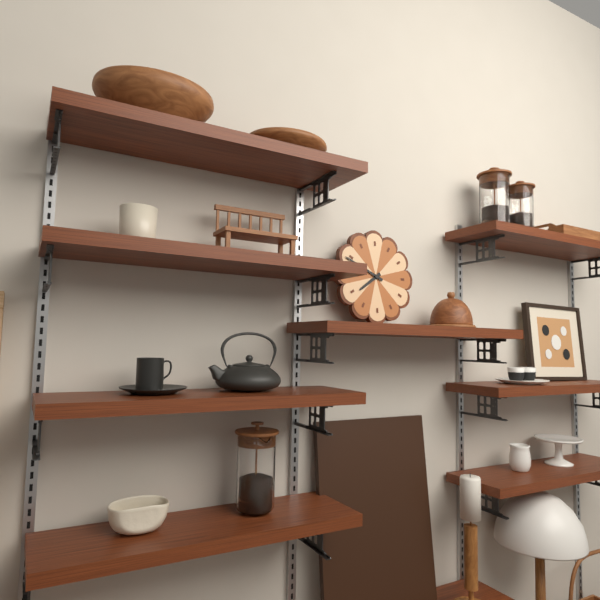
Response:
7.49
